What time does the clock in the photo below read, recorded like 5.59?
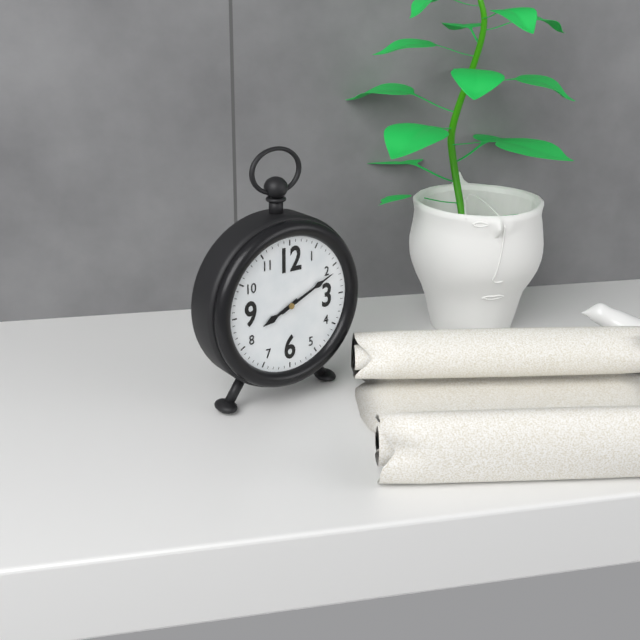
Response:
8.11
